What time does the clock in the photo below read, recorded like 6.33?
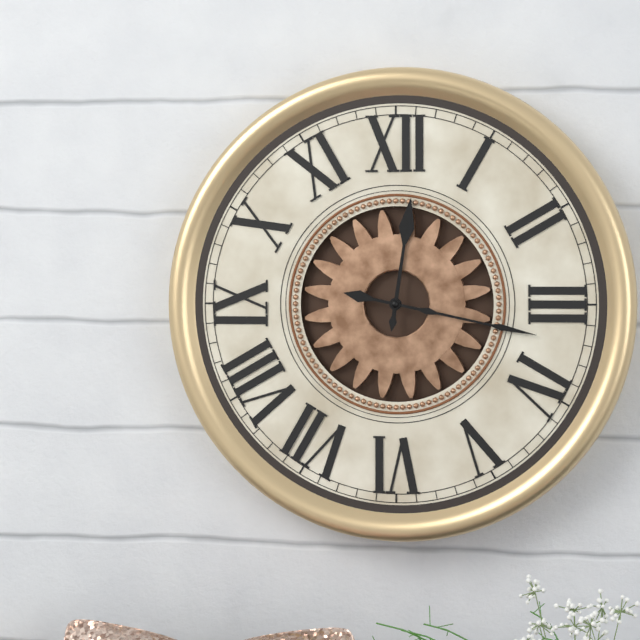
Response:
12.17
